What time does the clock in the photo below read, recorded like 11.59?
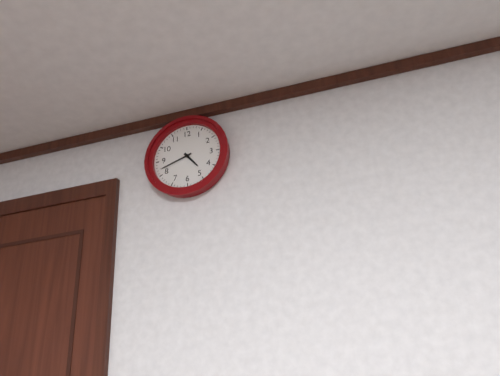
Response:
4.42
